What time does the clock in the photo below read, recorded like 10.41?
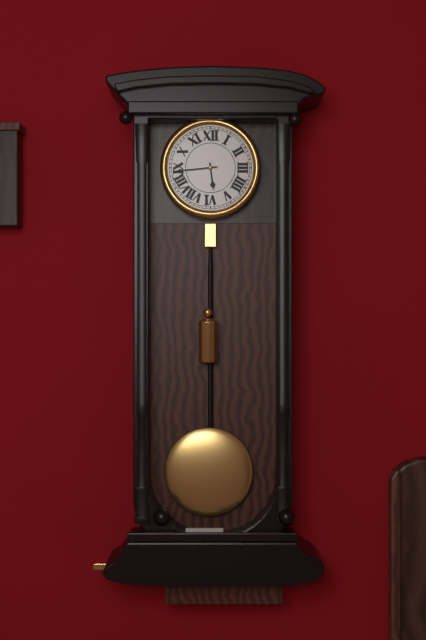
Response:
5.44
